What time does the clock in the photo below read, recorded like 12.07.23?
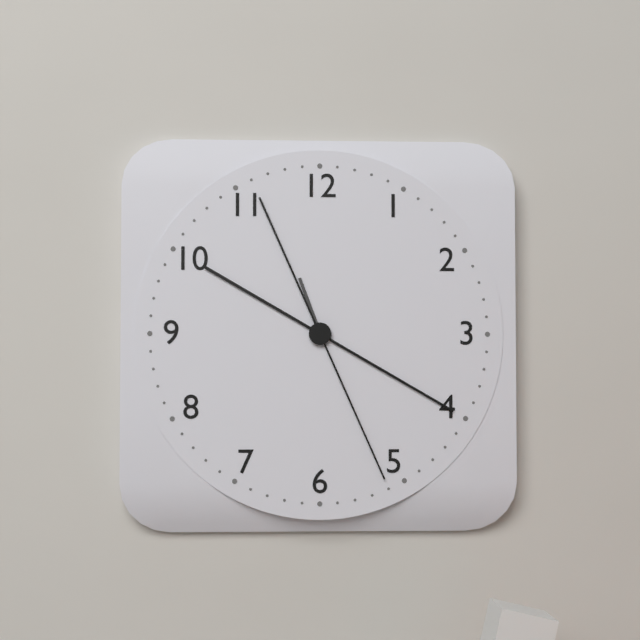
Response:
11.20.26
